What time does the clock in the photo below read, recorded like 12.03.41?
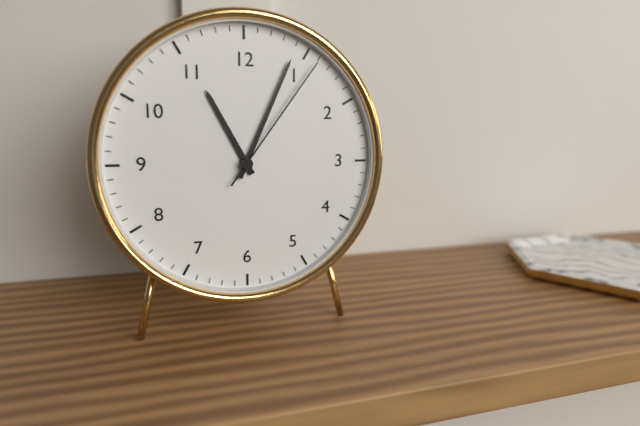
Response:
11.04.06
